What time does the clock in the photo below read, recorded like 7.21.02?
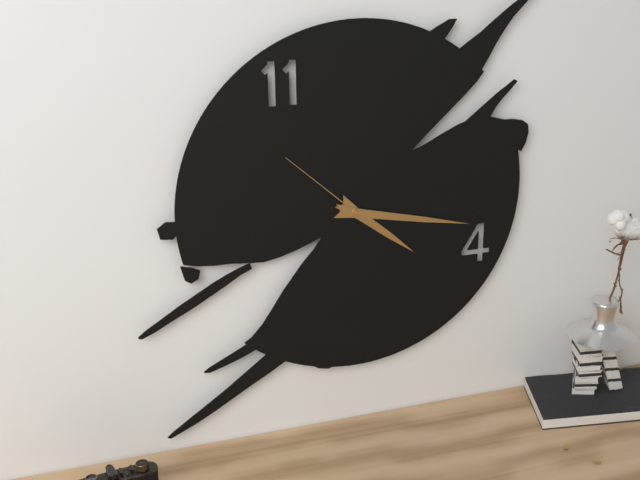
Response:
4.17.52
